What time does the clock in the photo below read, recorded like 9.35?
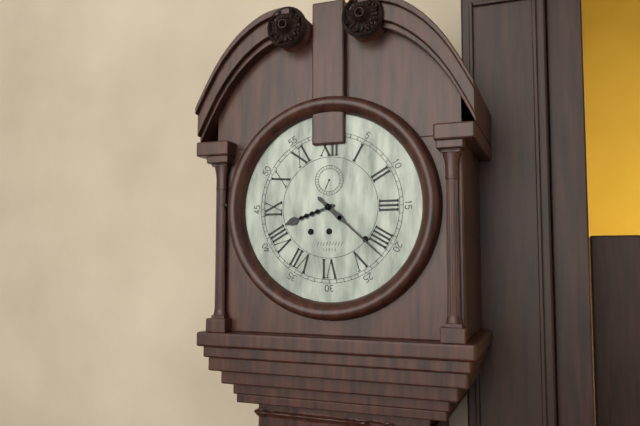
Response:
8.22
